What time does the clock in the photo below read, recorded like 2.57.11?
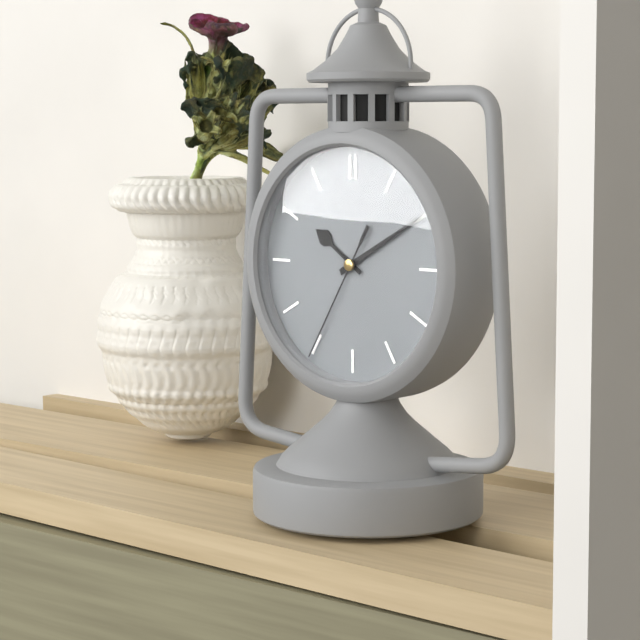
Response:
10.10.35
